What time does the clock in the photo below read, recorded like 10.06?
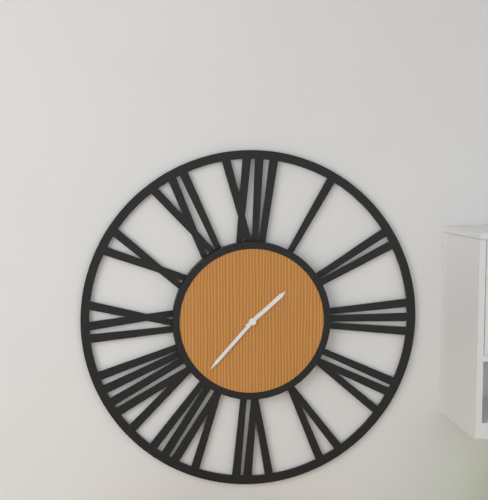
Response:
1.37
